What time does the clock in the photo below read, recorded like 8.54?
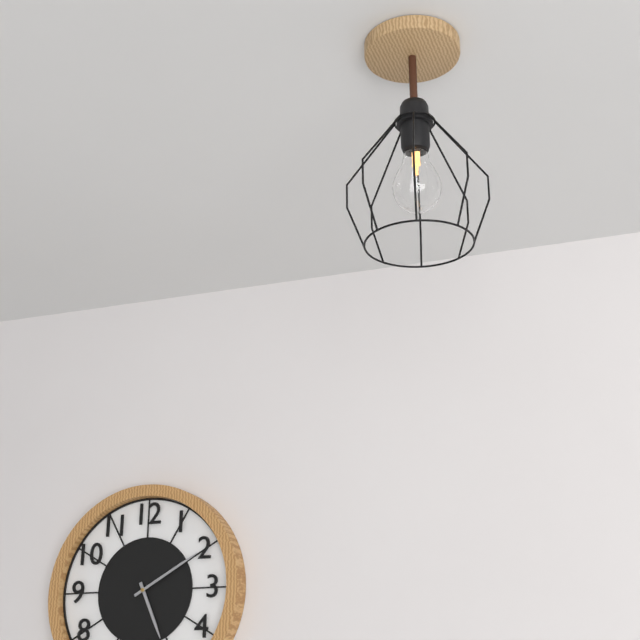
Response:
5.10
